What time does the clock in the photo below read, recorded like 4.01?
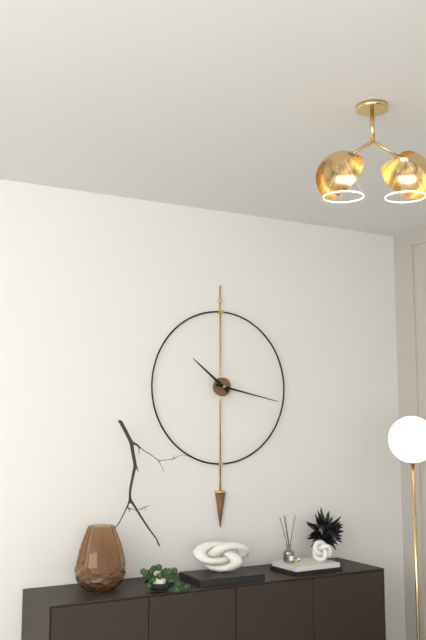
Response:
10.17
